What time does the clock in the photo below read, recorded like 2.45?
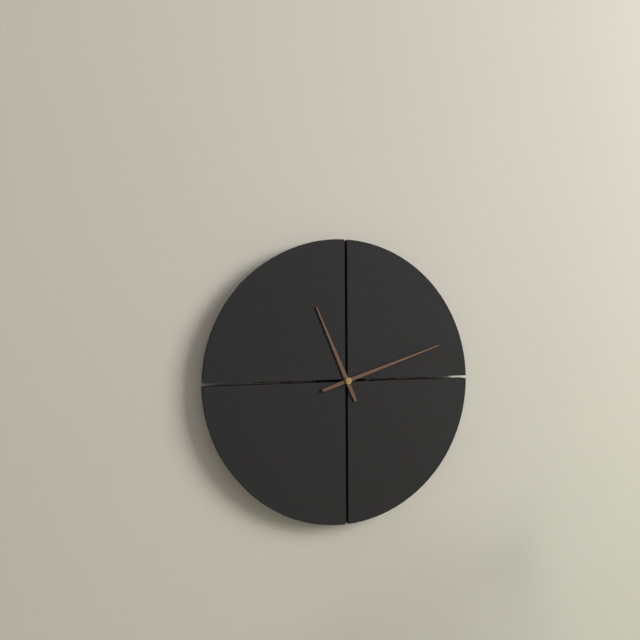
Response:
11.12
